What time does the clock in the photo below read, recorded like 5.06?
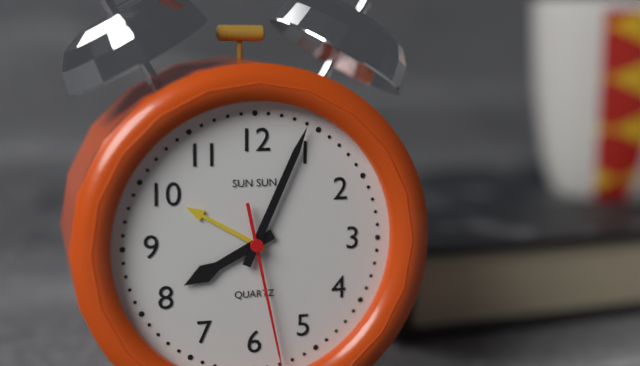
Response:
8.04
